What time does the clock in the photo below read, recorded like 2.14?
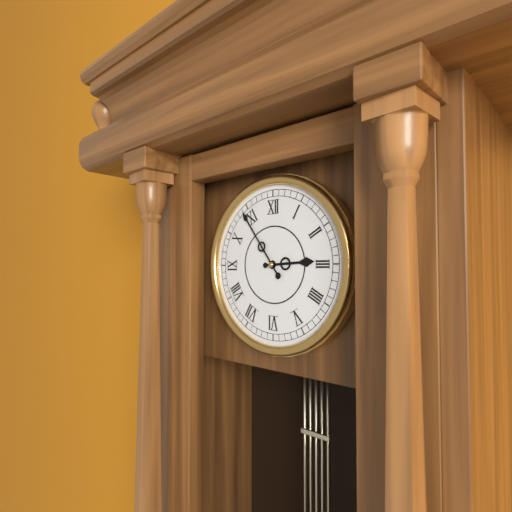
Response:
2.54
